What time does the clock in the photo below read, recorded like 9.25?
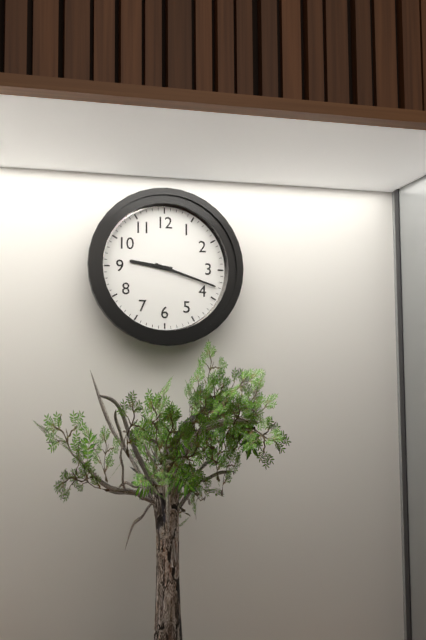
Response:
9.18
